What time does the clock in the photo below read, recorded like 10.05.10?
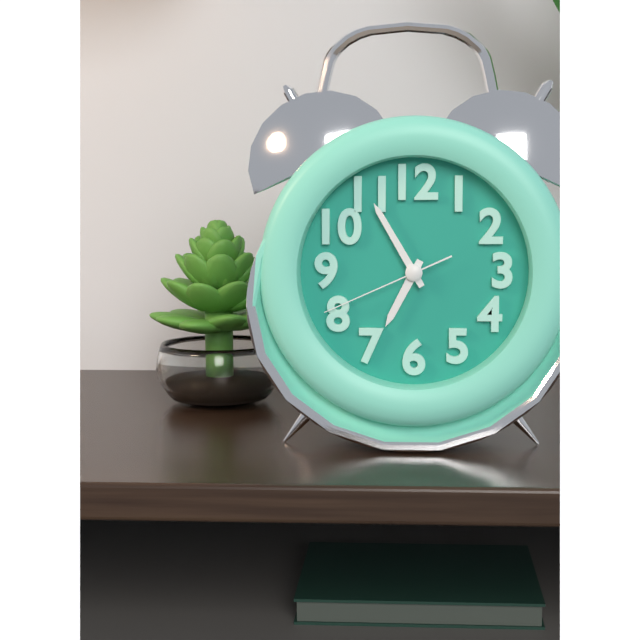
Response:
6.55.41
